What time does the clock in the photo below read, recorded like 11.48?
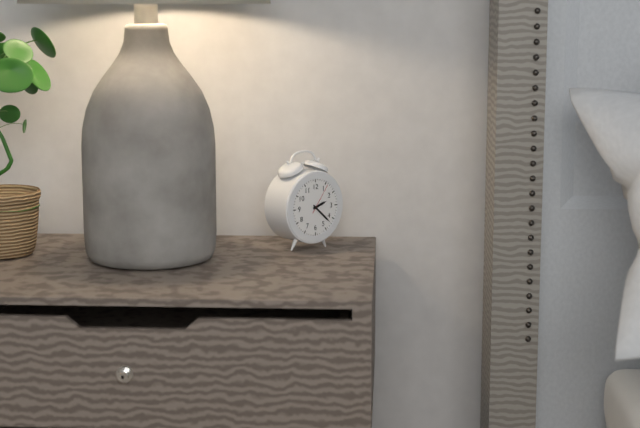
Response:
2.22
